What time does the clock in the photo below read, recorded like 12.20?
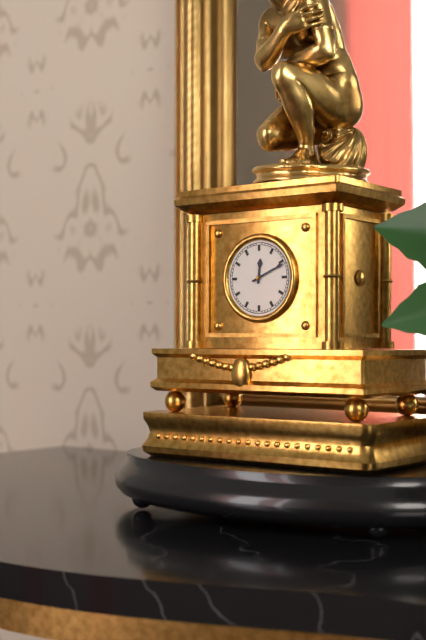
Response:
12.11
